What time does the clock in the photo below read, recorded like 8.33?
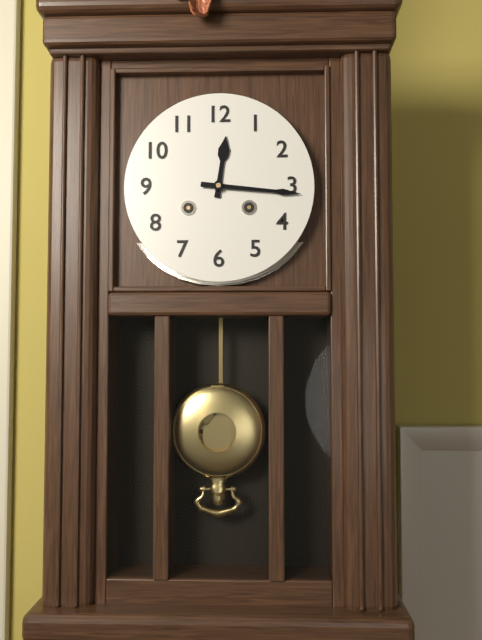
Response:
12.16
